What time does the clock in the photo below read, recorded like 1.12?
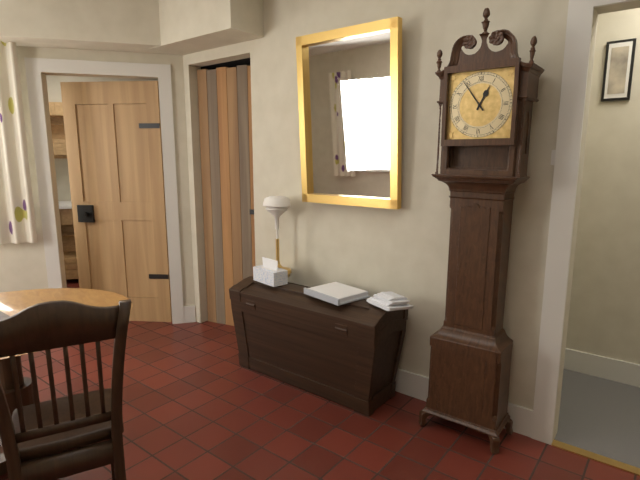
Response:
12.54
